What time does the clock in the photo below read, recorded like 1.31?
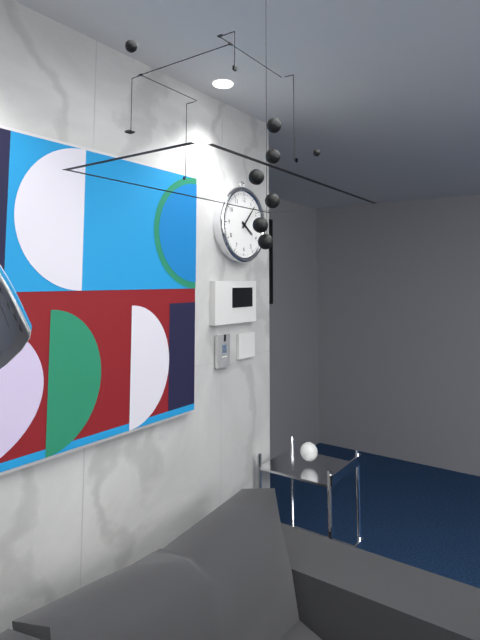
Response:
4.07
